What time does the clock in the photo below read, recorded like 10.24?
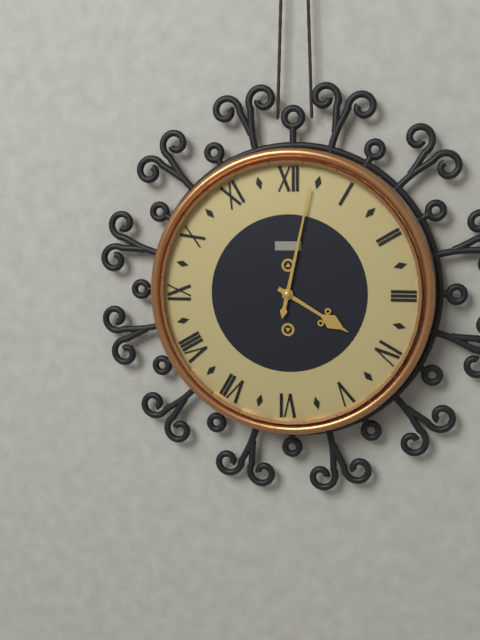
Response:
4.02
